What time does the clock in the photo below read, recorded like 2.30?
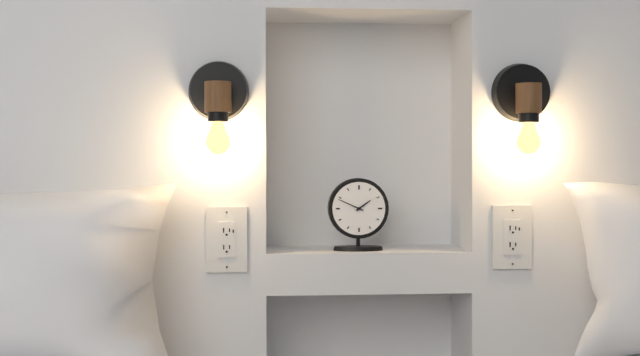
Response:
1.49
